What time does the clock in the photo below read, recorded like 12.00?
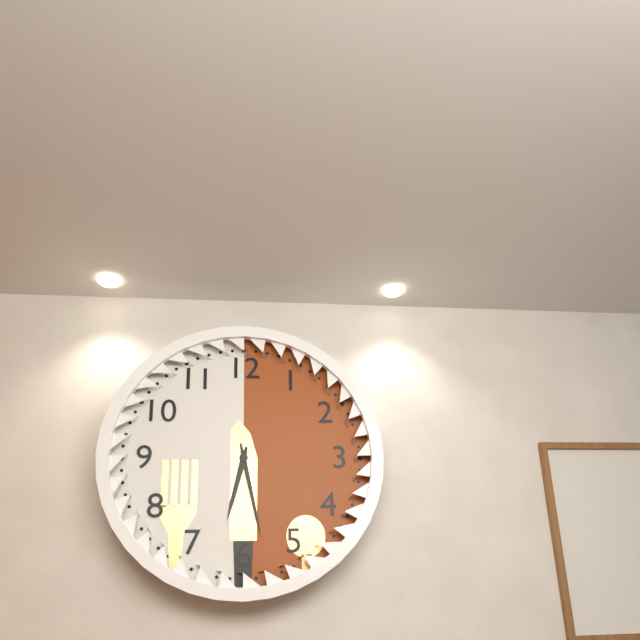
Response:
6.28
